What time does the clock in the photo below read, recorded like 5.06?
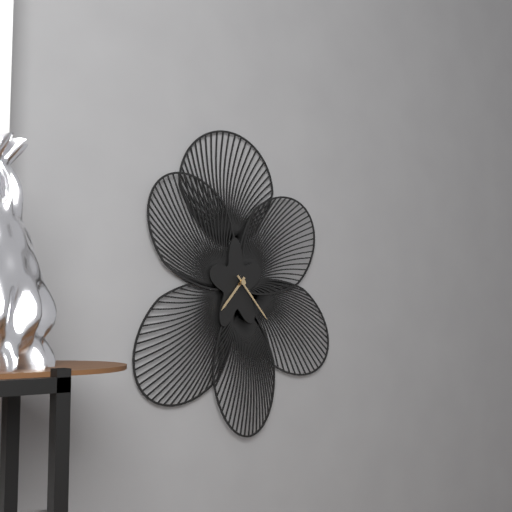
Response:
7.23
